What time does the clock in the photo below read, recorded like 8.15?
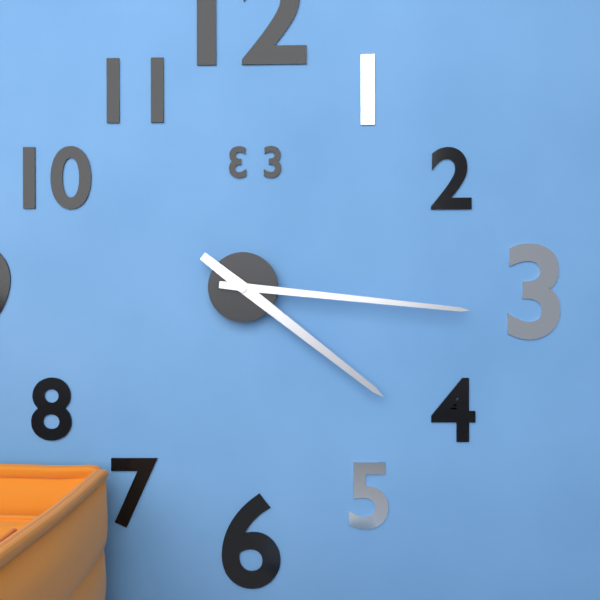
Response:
4.16
